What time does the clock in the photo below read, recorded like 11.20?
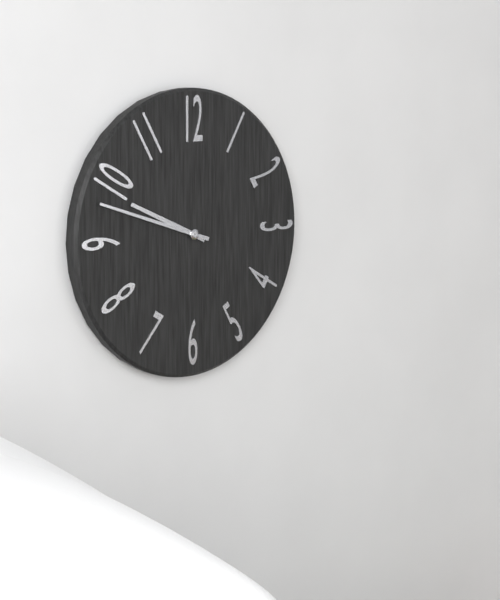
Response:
9.48
